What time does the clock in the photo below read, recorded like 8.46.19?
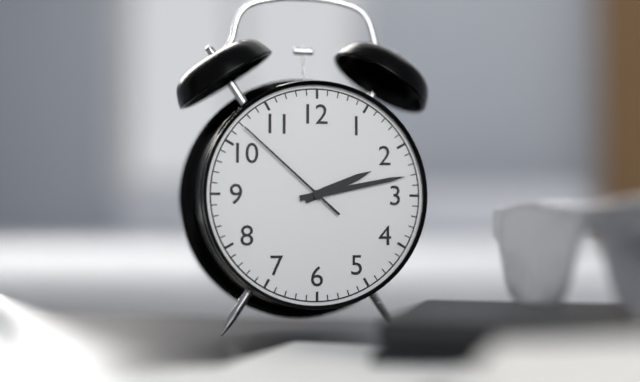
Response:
2.13.52
